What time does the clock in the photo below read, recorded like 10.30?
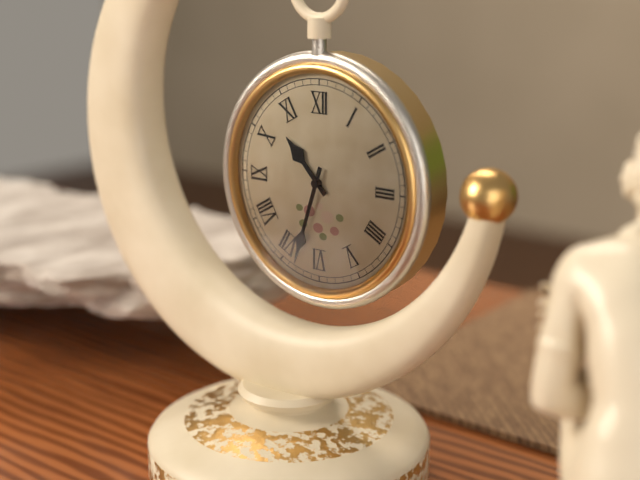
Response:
10.33
